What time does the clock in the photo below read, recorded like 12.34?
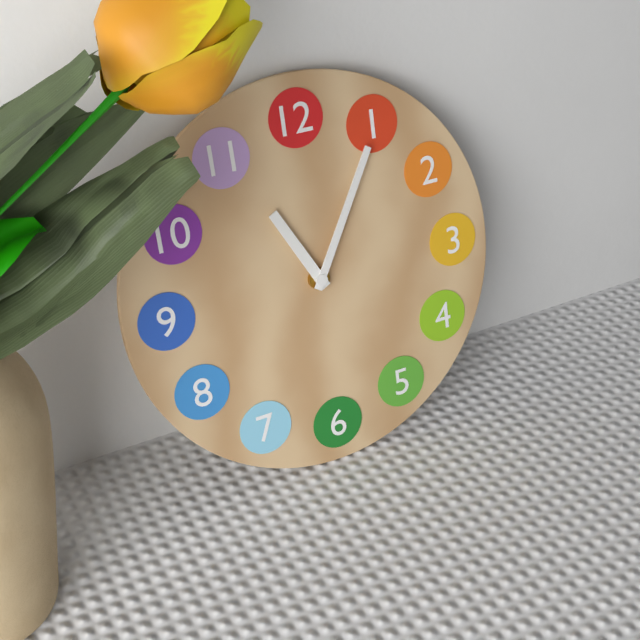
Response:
11.05
